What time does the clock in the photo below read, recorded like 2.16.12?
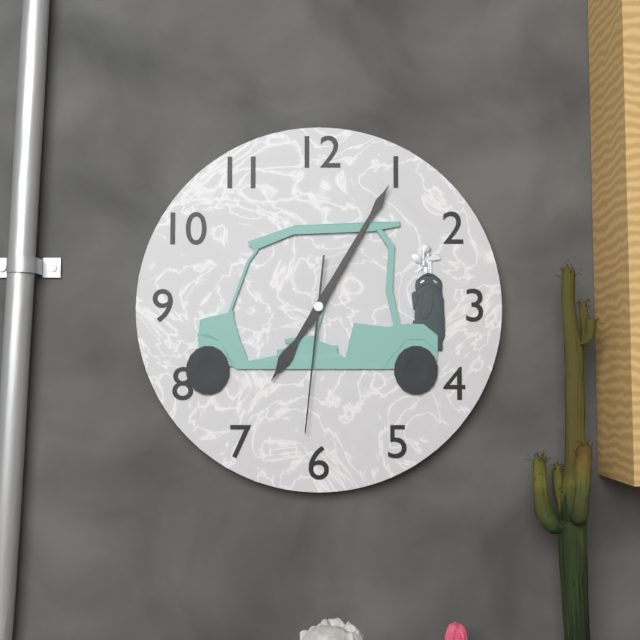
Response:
7.05.31
